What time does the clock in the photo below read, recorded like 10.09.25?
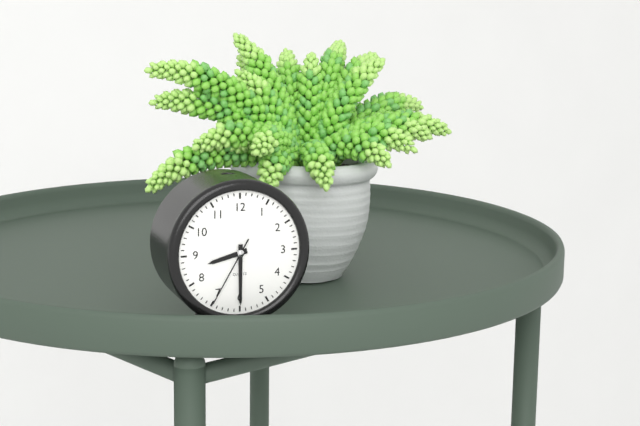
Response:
8.30.35
